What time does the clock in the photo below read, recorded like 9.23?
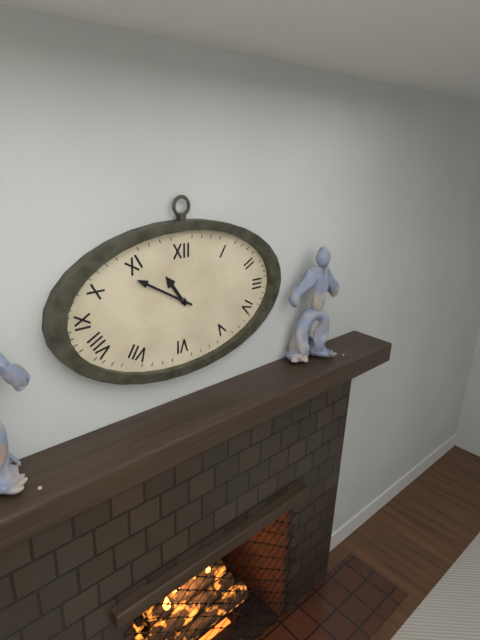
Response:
10.50
